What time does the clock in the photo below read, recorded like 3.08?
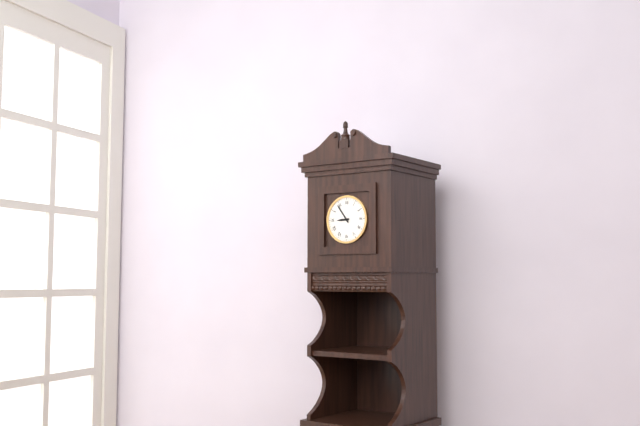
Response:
8.54
